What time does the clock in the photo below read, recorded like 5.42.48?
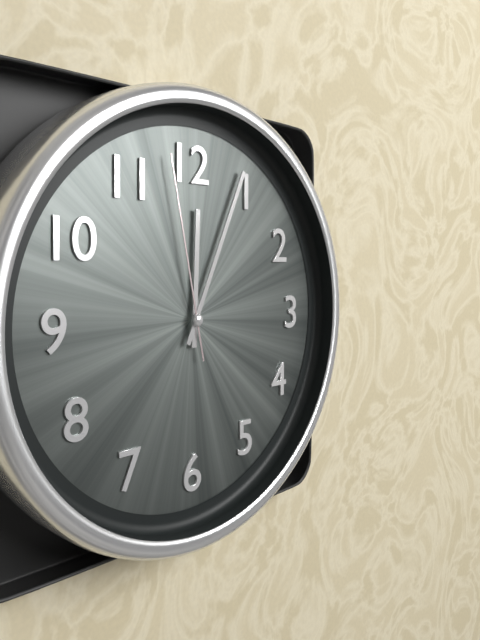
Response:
12.04.58
